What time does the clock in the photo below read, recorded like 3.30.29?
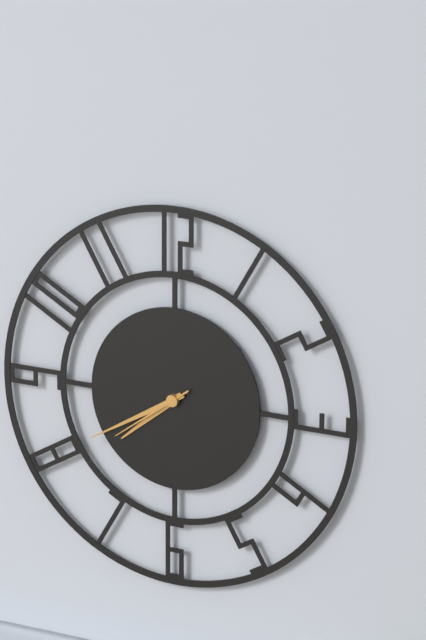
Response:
7.40.39
